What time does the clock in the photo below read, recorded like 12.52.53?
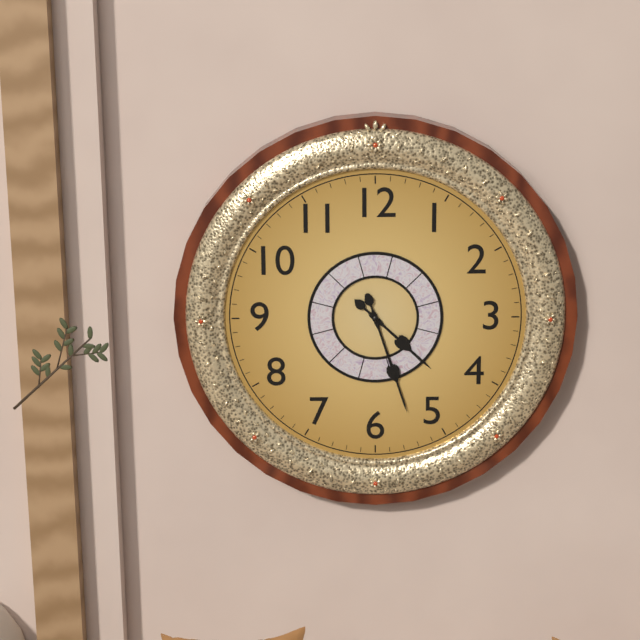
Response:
4.27.27
